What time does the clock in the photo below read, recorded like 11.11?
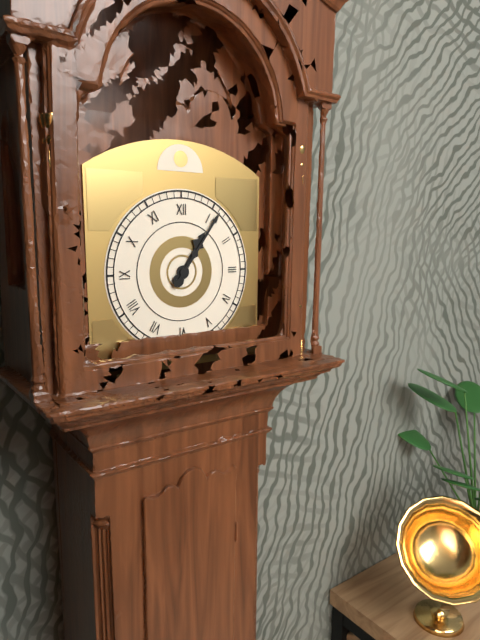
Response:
1.06
